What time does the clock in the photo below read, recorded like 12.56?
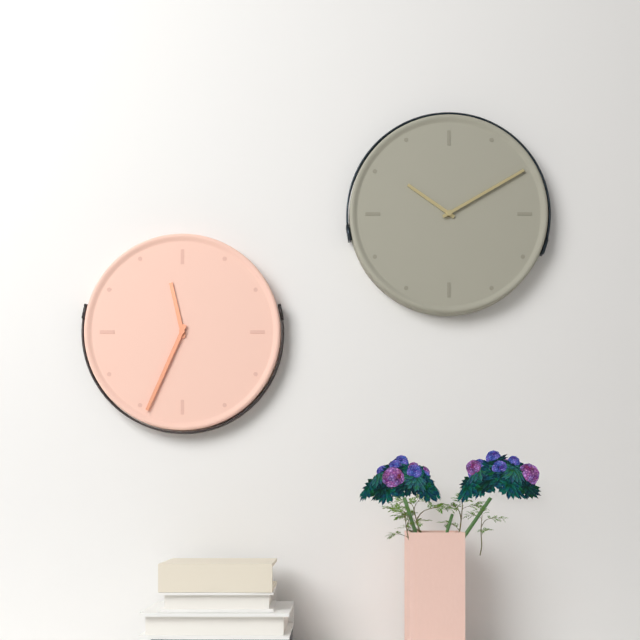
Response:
11.34
